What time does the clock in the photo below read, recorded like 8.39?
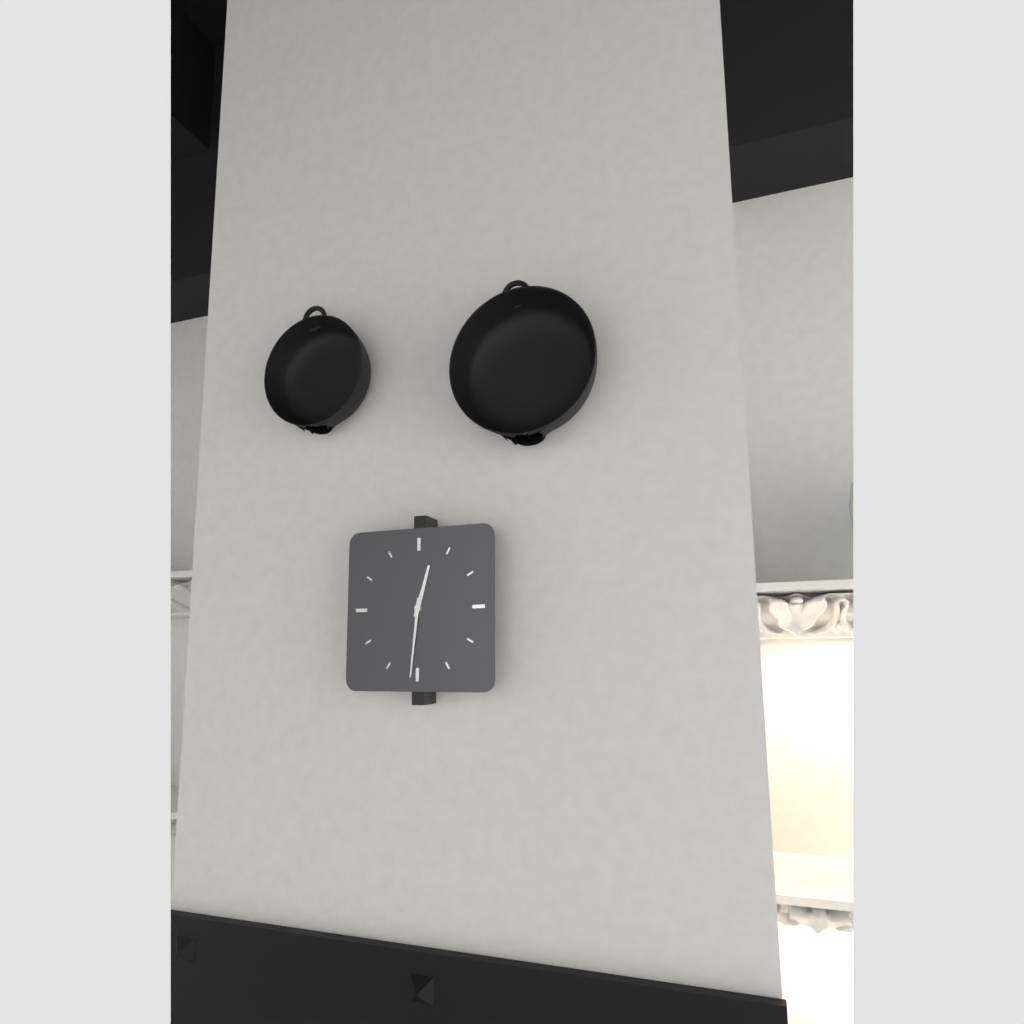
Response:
12.31
